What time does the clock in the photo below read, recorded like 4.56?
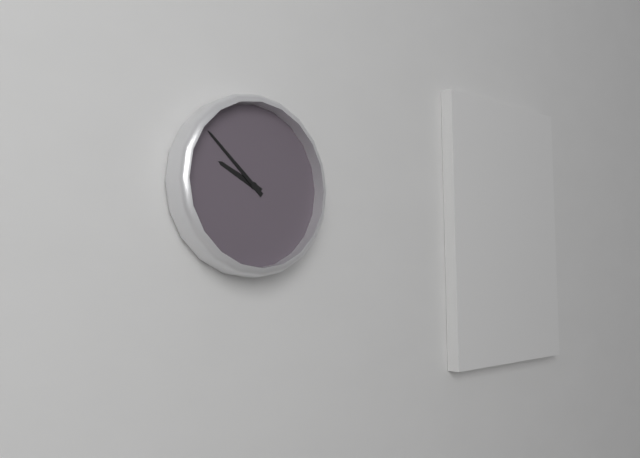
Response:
9.52
